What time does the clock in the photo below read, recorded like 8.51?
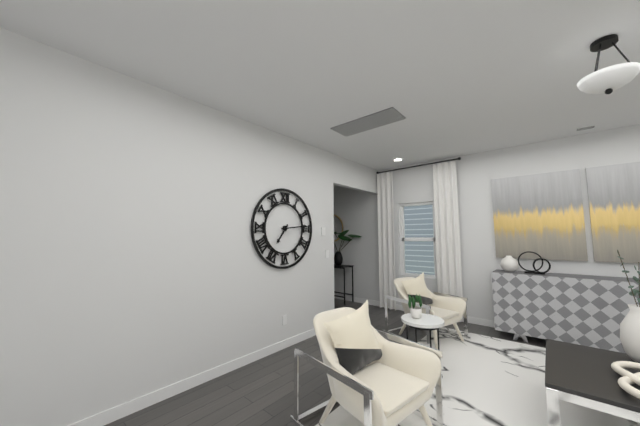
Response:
7.14
